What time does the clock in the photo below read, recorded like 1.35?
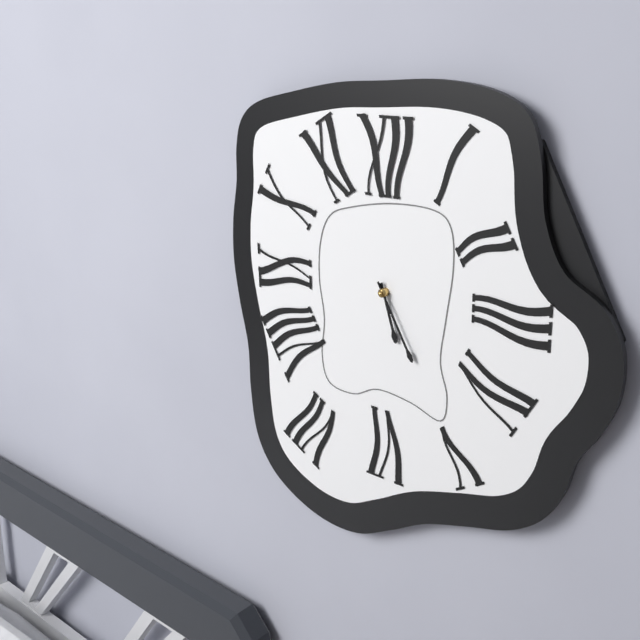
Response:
5.25
